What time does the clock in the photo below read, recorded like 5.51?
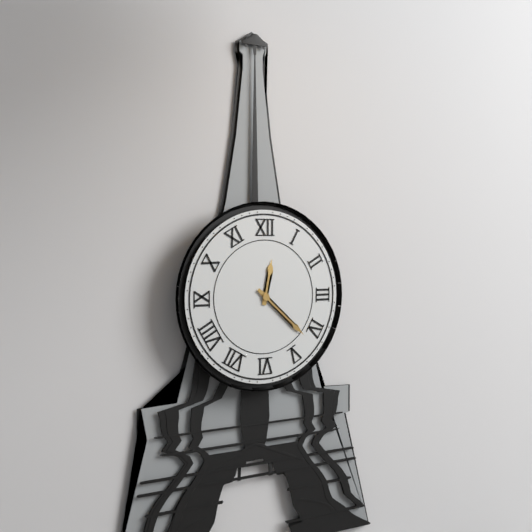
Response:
12.22
